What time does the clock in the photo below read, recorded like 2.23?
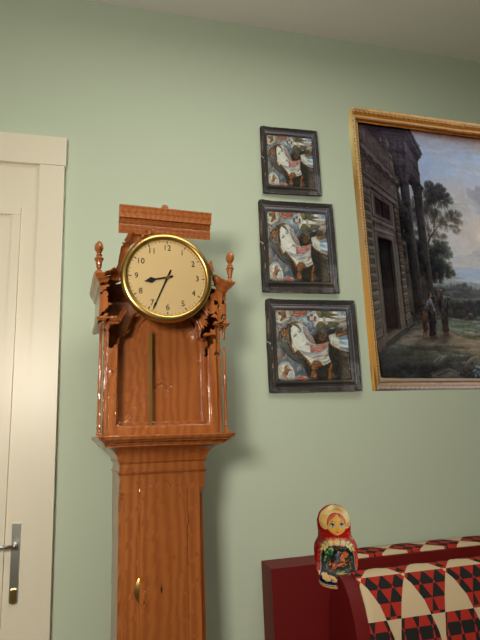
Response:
8.34
